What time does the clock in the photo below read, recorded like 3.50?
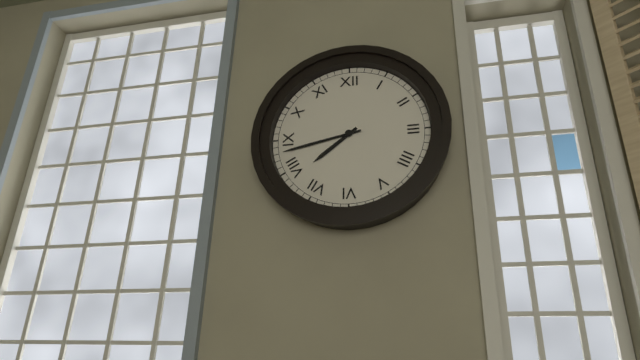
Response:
7.43
